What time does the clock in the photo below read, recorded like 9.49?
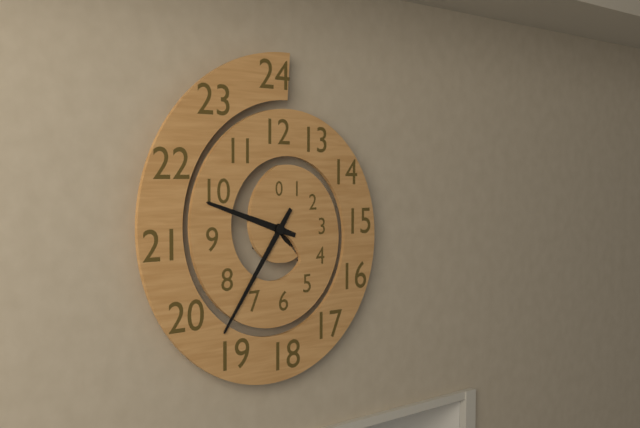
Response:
9.36
